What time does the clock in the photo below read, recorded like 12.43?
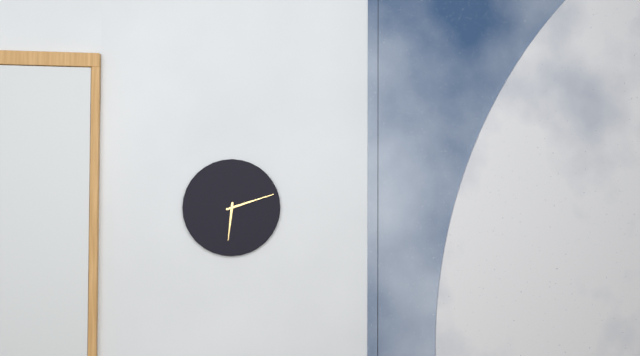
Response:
6.12
